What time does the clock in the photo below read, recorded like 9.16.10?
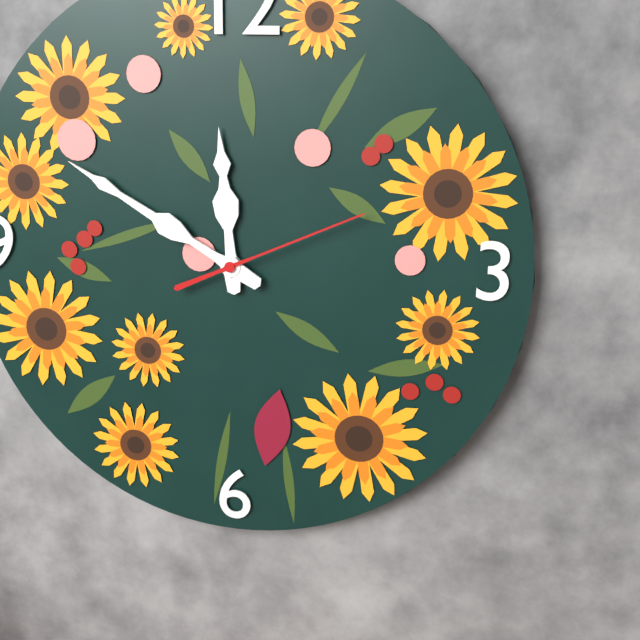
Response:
11.50.11
